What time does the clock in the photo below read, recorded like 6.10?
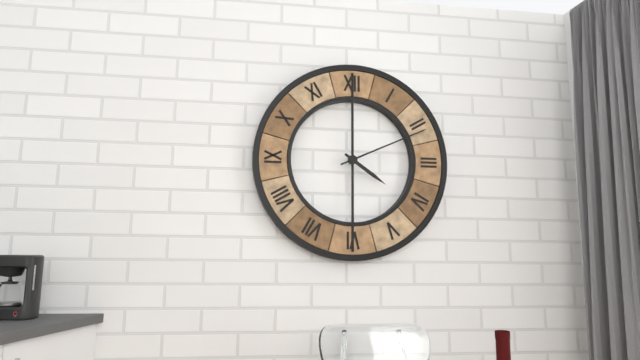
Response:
4.11
